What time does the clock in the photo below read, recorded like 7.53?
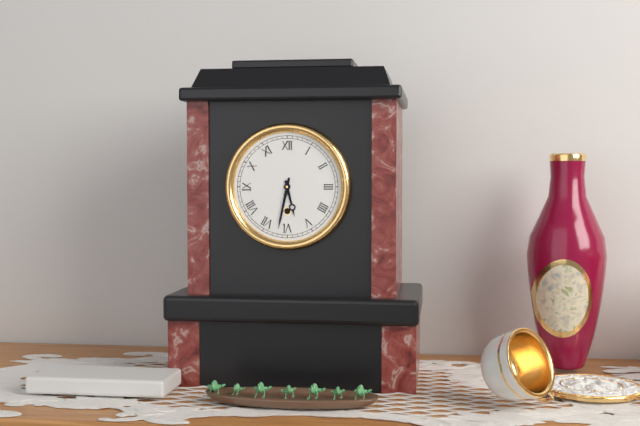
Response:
5.32
